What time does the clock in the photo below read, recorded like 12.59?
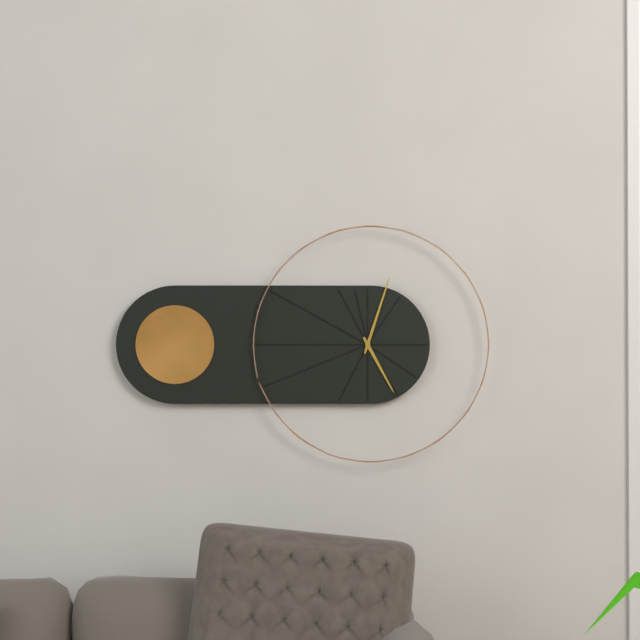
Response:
5.03
